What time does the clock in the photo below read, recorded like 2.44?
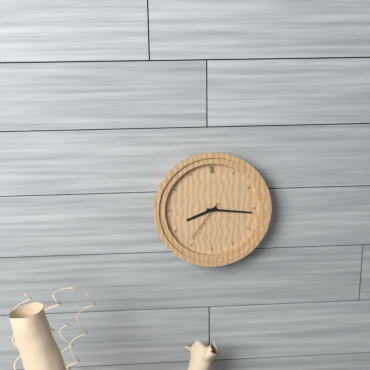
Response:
8.16
